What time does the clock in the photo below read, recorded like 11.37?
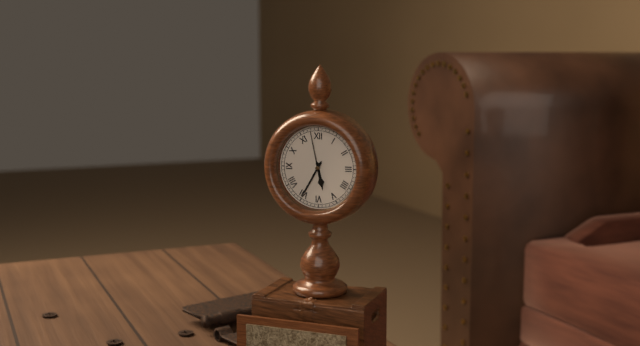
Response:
5.35
